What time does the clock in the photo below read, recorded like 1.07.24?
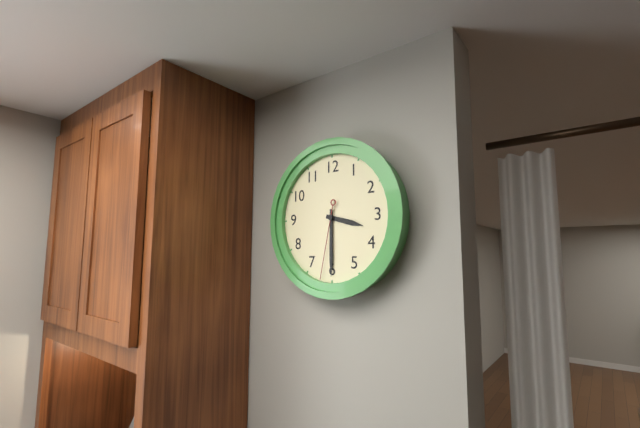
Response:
3.30.32
